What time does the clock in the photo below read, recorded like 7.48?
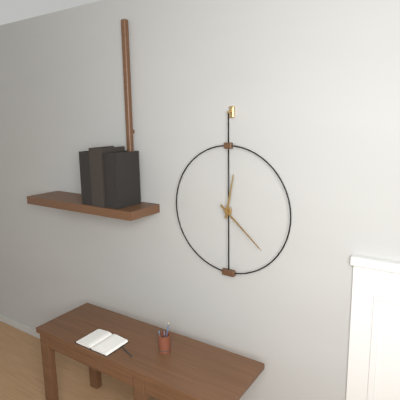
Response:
12.22
